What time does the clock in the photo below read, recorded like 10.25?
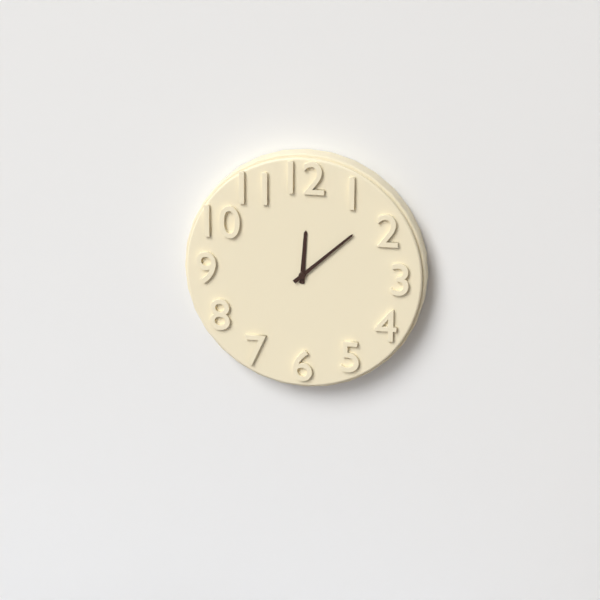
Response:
12.08
